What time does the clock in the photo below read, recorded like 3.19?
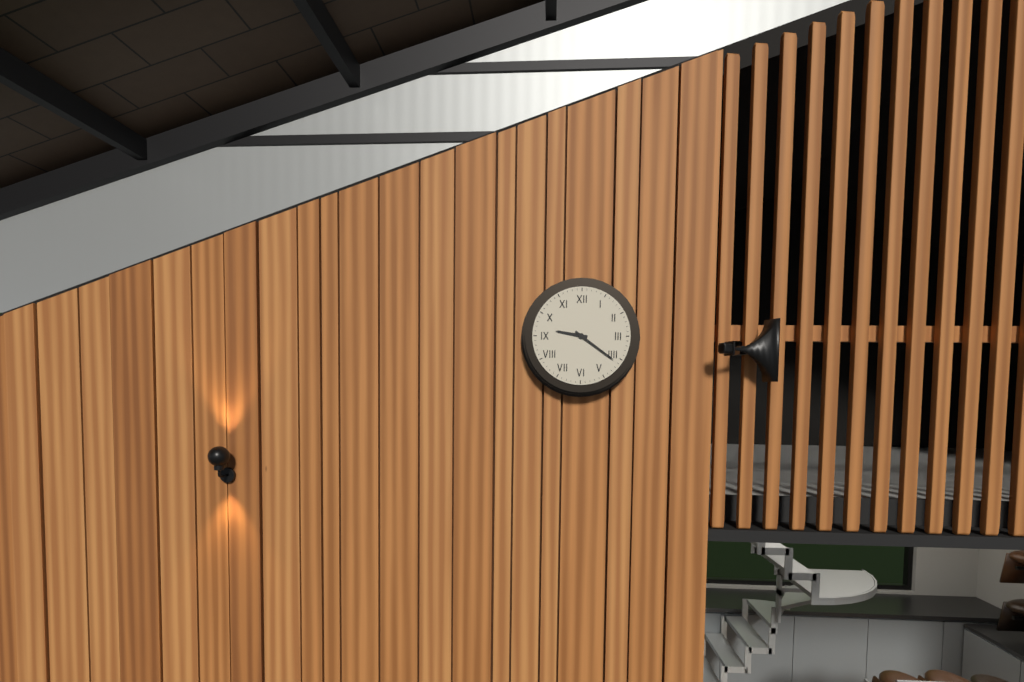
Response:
9.21
